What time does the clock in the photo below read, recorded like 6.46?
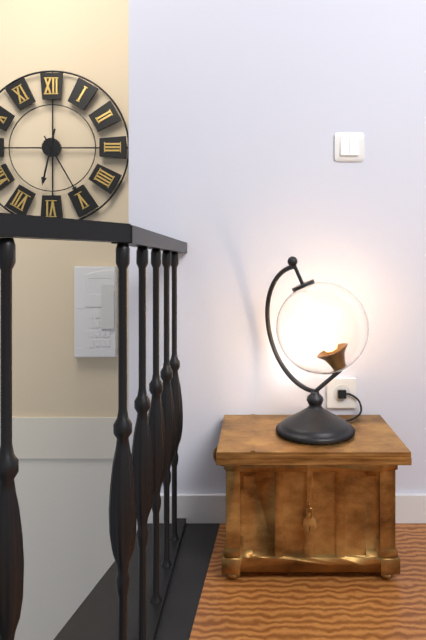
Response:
6.25
